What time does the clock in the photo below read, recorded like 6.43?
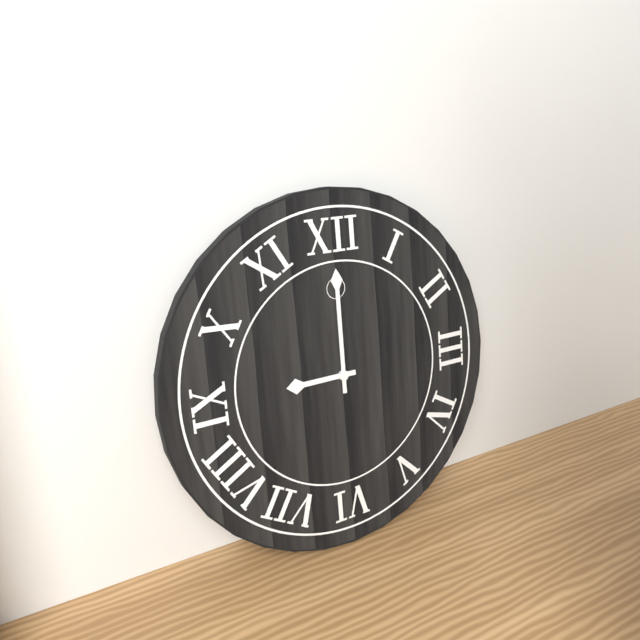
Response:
9.00
